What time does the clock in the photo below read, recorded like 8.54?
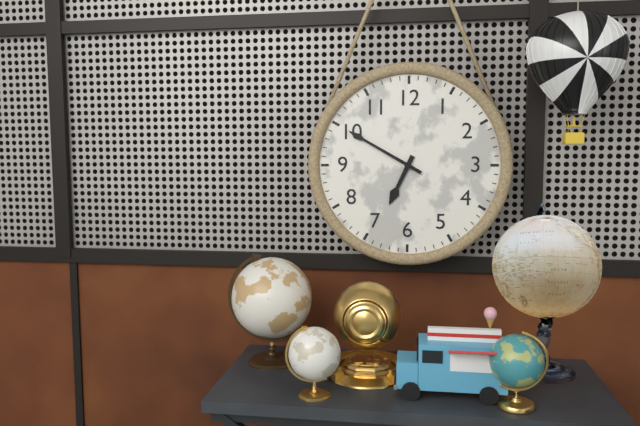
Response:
6.50
